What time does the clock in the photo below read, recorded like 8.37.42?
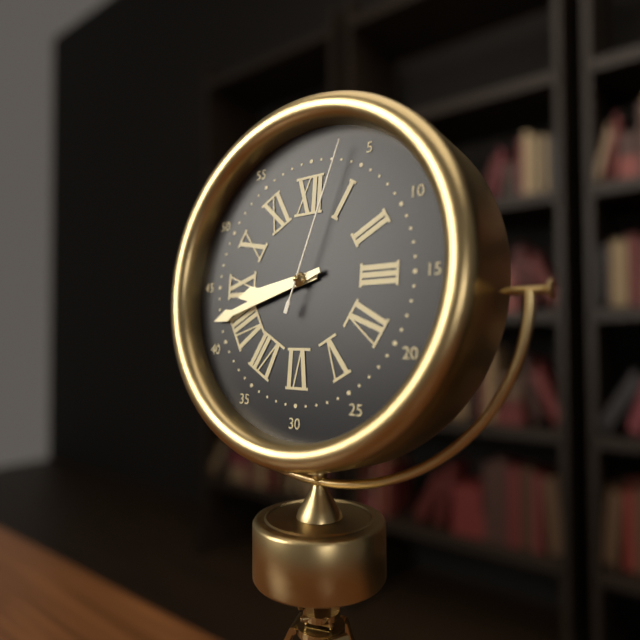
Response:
8.42.03
